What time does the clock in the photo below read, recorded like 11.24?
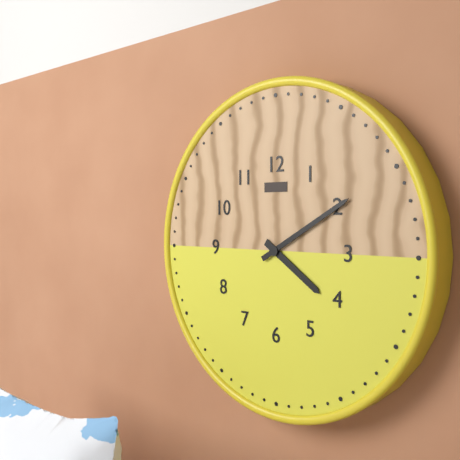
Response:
4.10
